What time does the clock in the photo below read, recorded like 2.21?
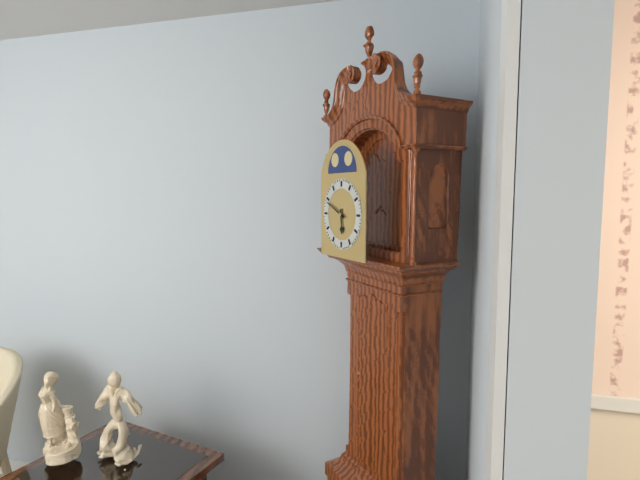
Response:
5.49
